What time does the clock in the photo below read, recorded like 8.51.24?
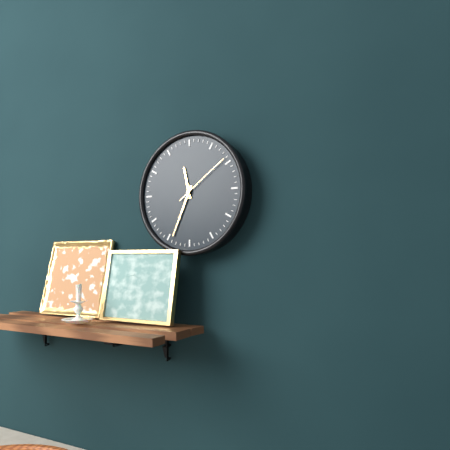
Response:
11.34.09
